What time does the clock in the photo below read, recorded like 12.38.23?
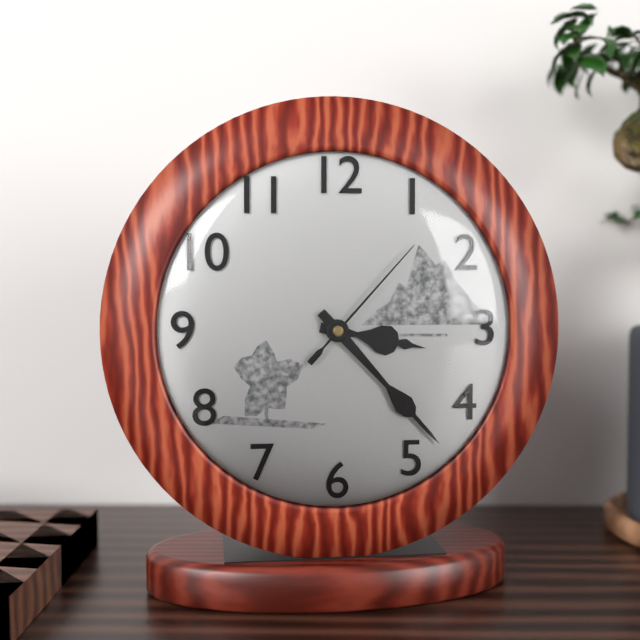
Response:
3.23.07
